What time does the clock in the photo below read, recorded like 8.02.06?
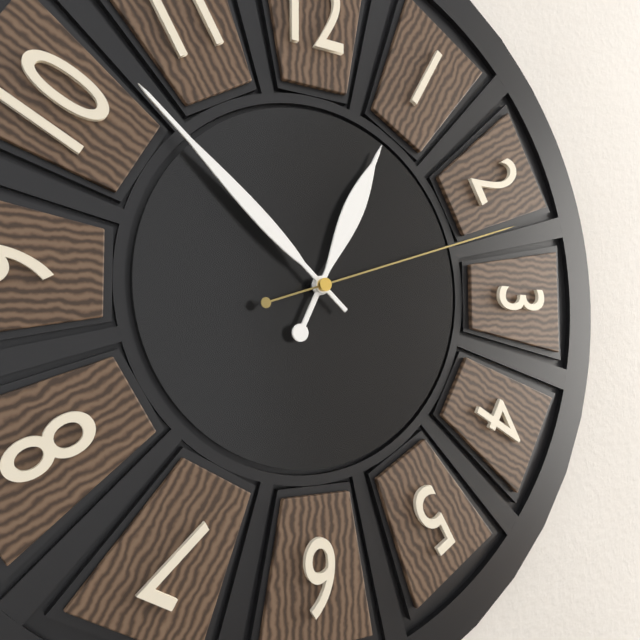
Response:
12.52.12
